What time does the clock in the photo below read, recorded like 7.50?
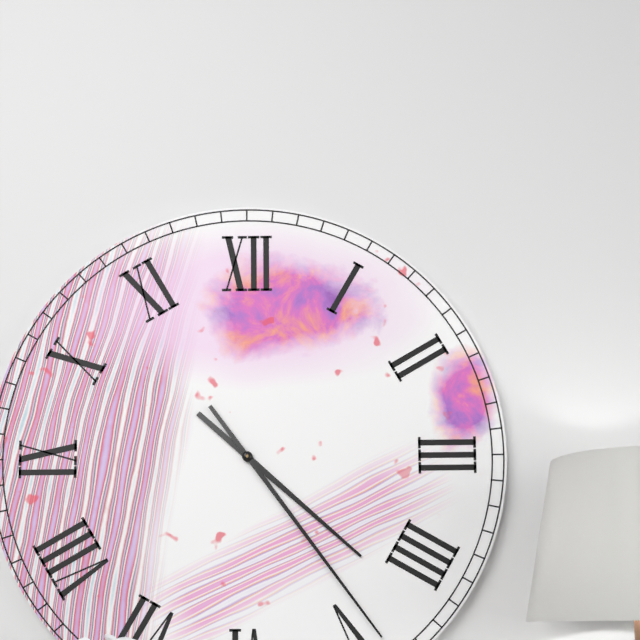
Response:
4.24
